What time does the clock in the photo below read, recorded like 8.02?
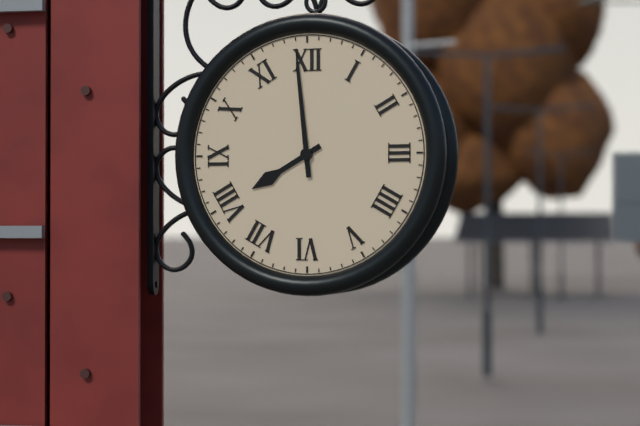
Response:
7.59
